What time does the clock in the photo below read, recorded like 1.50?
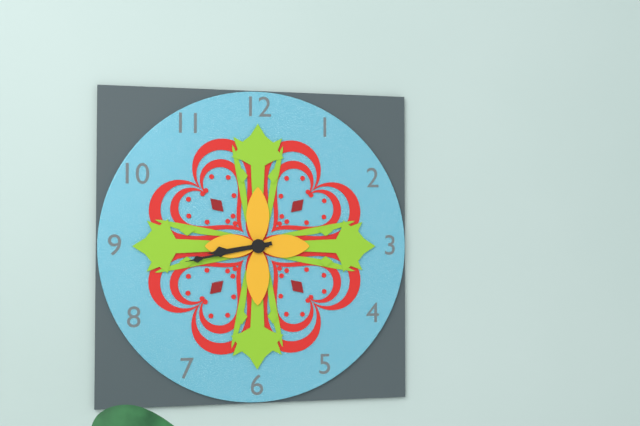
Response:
8.43
